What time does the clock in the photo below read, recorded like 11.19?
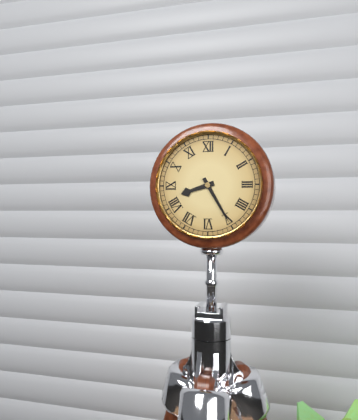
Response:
8.25
